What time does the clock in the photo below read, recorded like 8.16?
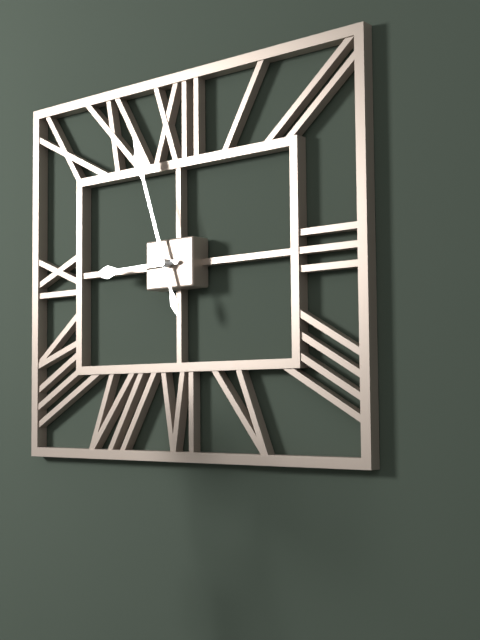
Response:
8.57
